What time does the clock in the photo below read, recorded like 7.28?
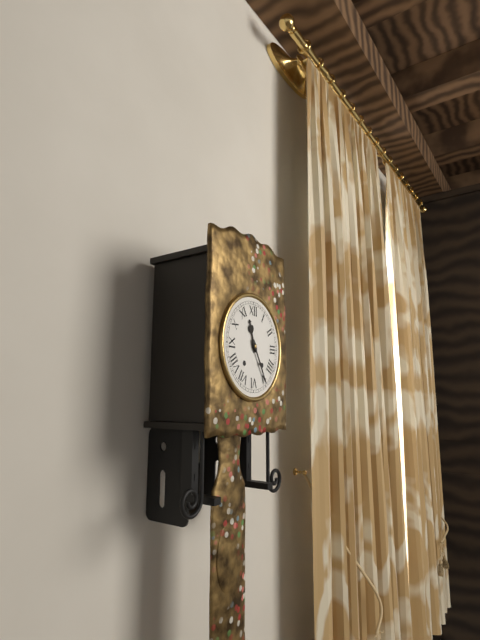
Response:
11.25
